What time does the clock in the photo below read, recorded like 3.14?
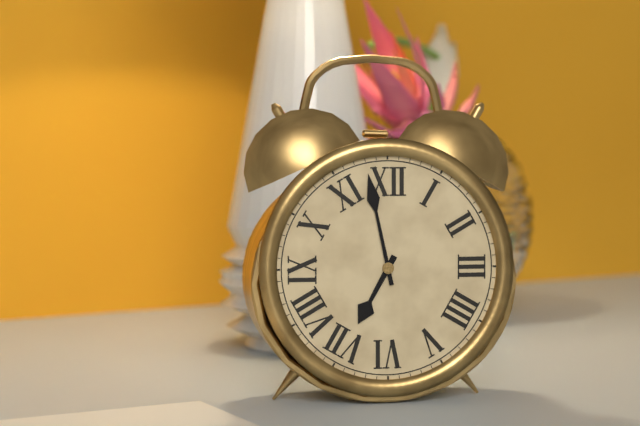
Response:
6.58
